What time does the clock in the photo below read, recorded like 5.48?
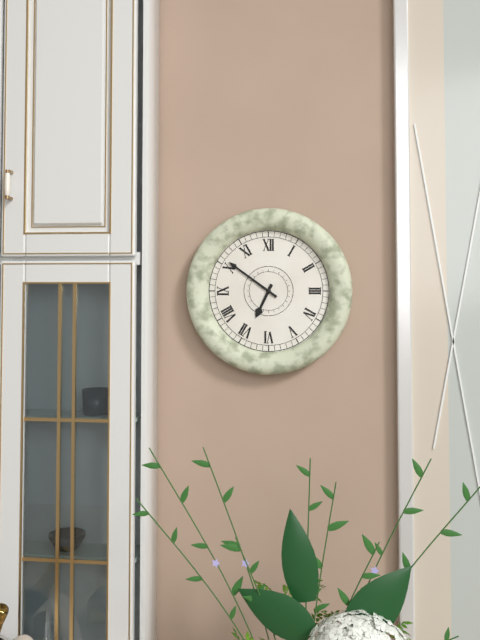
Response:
6.51
